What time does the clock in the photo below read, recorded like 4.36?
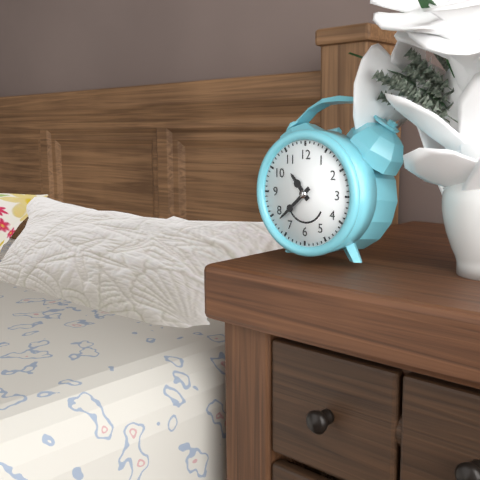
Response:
10.38
